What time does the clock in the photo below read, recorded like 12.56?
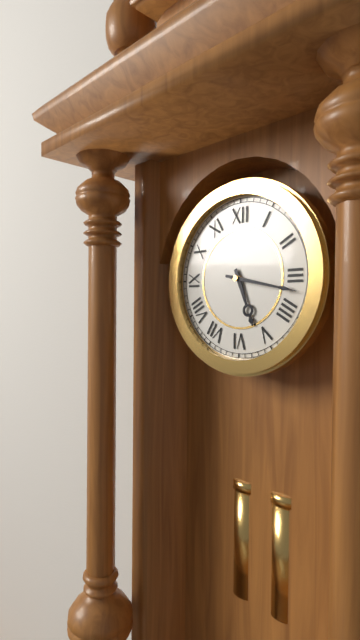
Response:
5.17
